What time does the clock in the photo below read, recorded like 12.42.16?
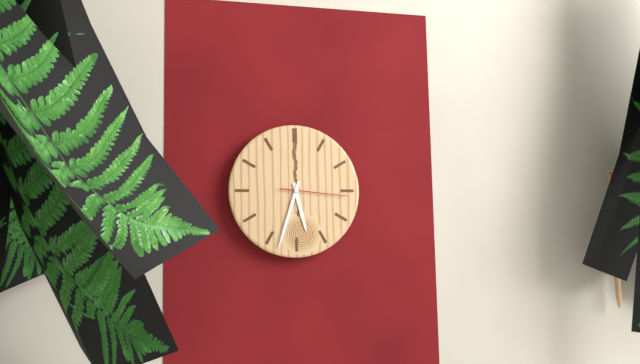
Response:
5.33.16
